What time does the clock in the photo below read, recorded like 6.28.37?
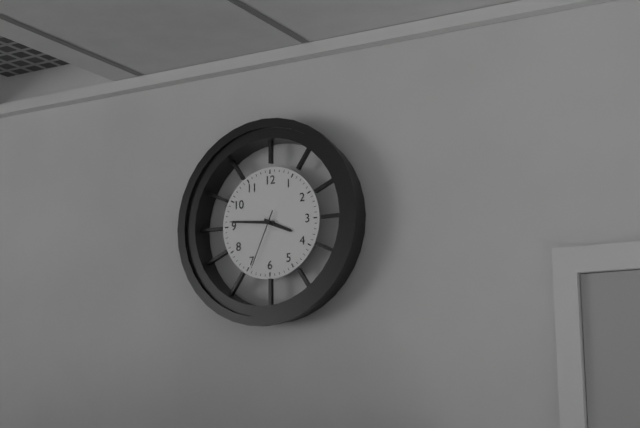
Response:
3.46.34
